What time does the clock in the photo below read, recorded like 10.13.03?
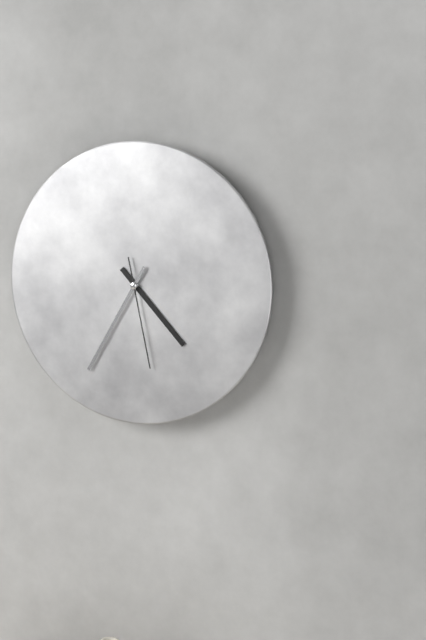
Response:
4.35.28
